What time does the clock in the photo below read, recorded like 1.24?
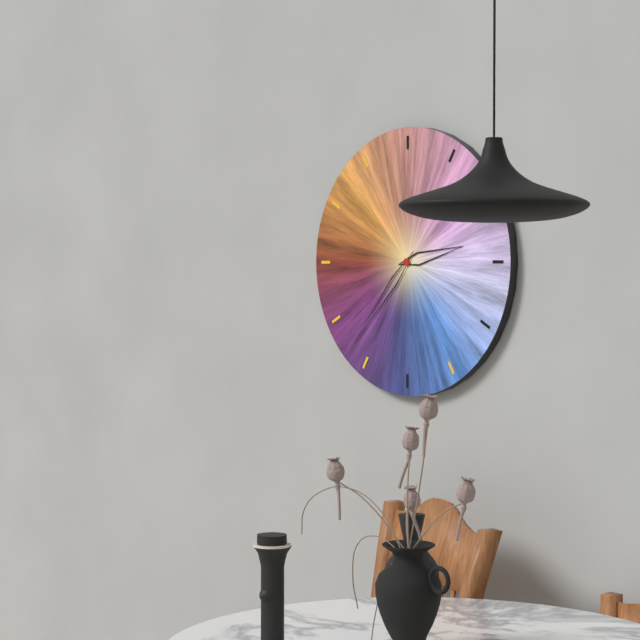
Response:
2.37
